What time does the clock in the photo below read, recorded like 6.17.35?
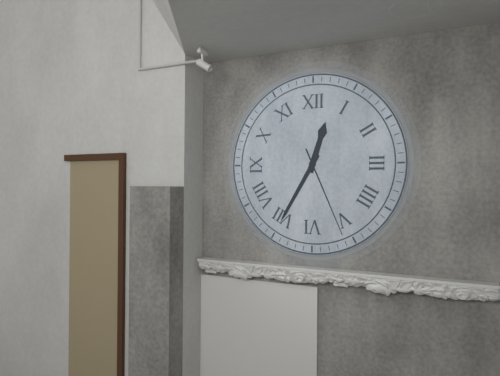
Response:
12.35.26
